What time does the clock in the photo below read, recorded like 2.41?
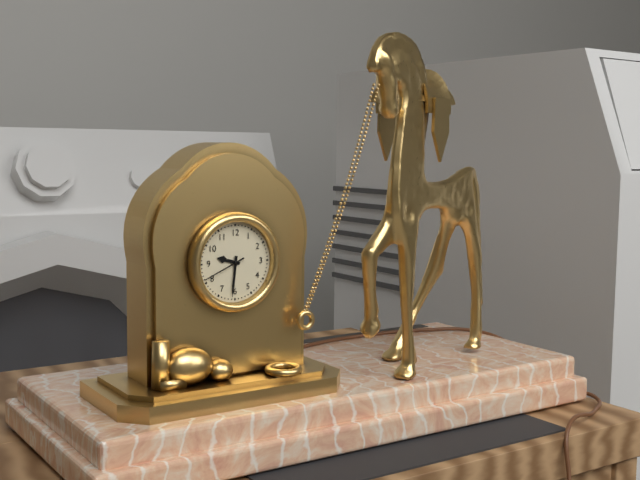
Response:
9.31
